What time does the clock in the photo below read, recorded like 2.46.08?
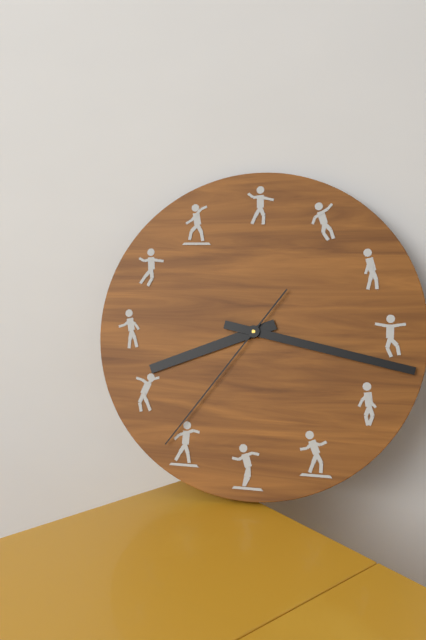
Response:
8.17.36
